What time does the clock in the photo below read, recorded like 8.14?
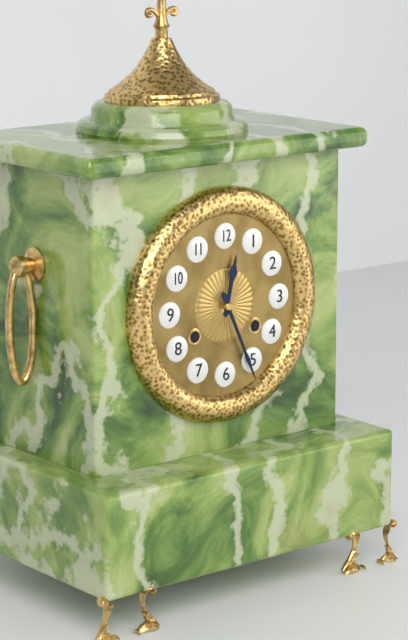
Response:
12.26
